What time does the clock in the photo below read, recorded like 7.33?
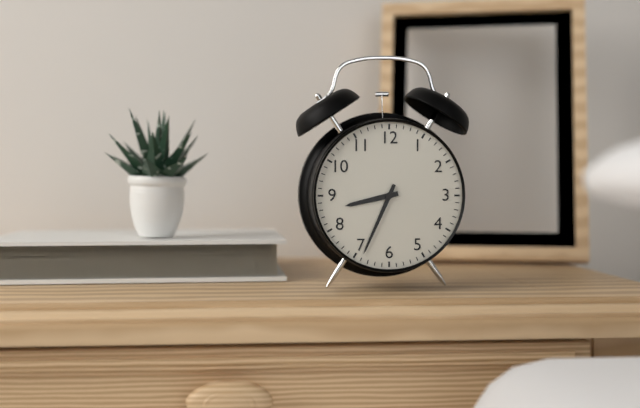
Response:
8.34
